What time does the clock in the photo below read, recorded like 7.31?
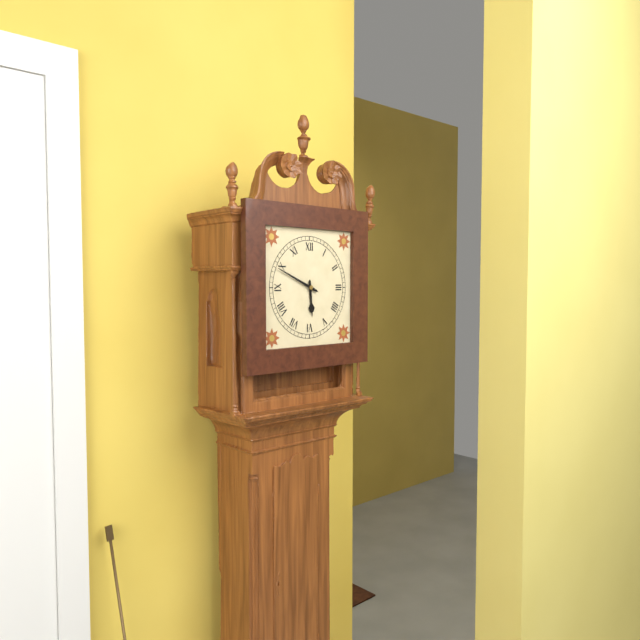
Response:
5.49
